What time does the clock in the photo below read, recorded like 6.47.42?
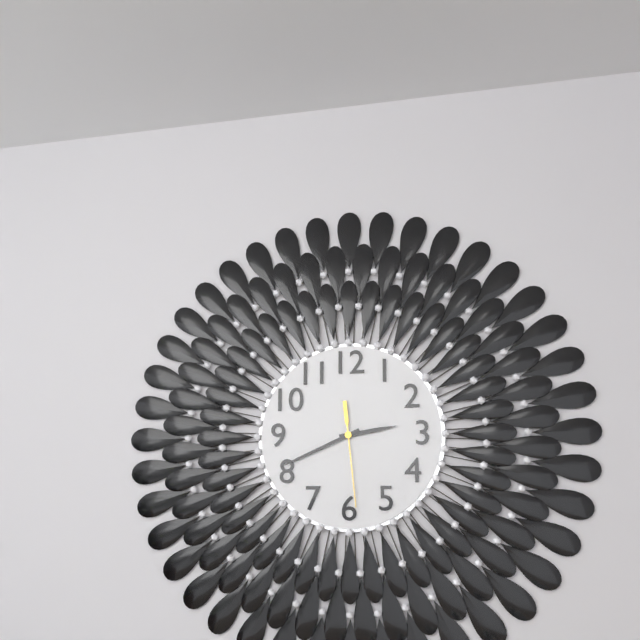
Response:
2.41.29
